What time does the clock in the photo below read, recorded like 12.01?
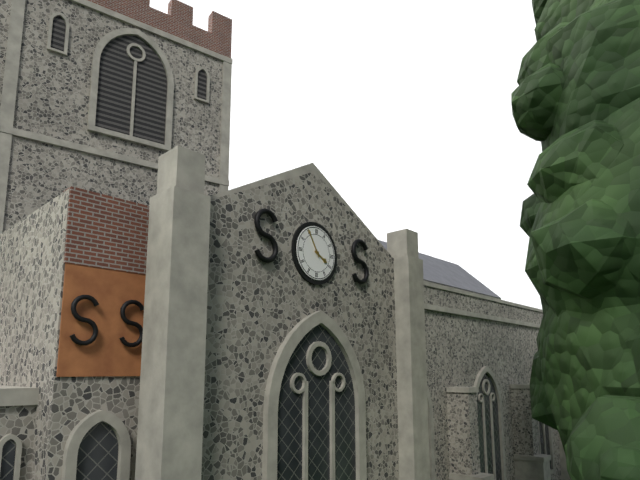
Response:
3.55
